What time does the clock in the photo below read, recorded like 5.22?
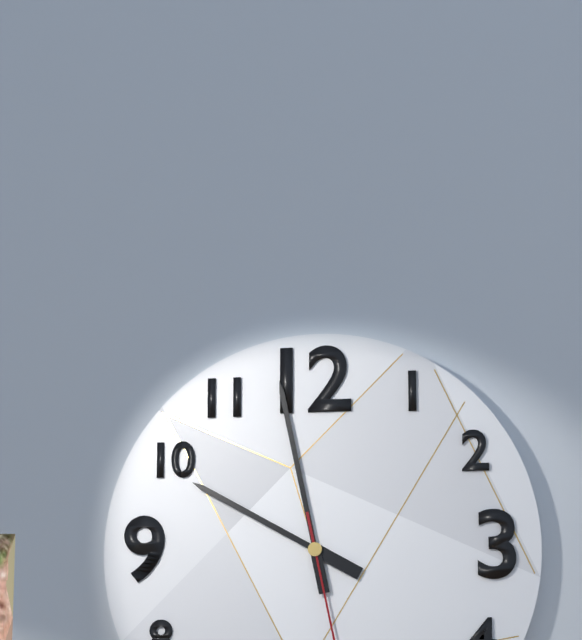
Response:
9.58
